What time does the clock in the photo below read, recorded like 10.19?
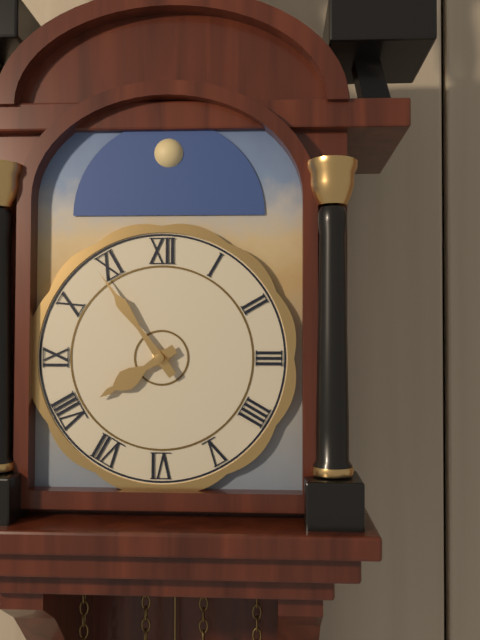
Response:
7.54
